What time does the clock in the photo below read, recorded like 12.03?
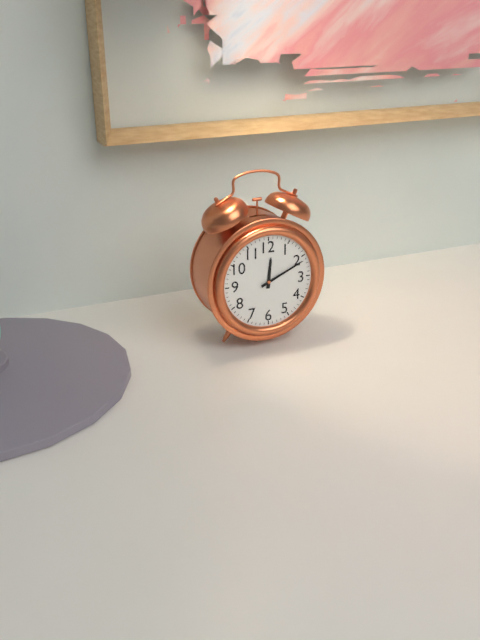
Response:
12.11
